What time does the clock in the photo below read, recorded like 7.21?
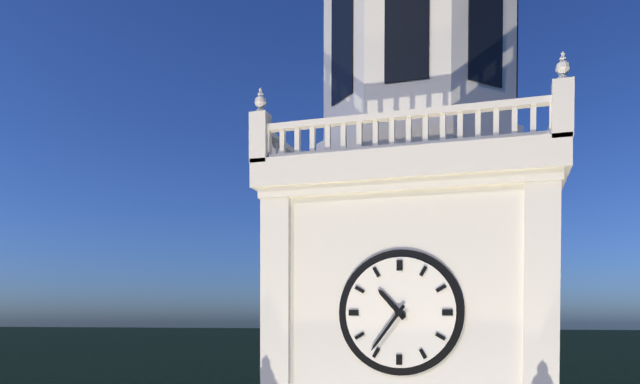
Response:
10.36
